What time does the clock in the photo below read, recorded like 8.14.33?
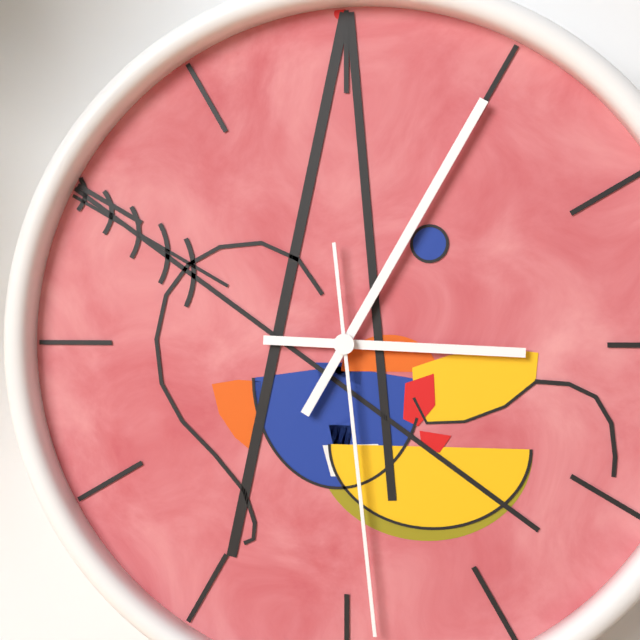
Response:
3.05.29
